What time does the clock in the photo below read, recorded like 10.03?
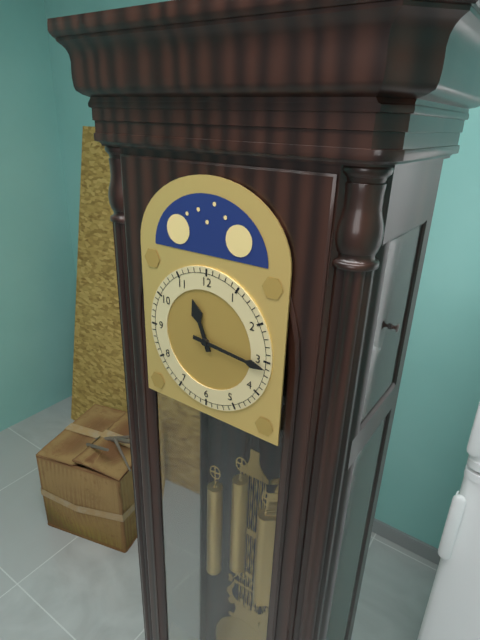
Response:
11.16
